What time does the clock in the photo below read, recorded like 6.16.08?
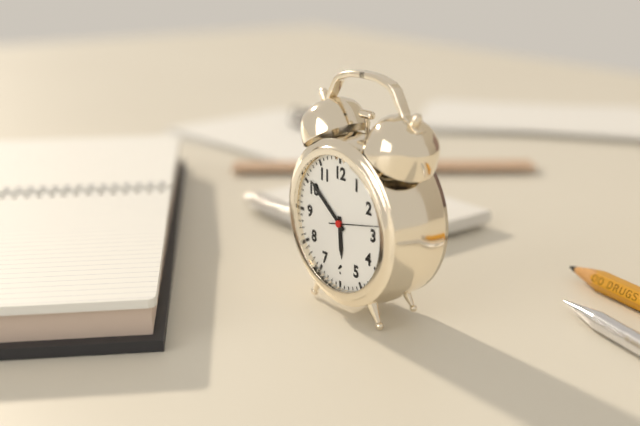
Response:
5.51.13
